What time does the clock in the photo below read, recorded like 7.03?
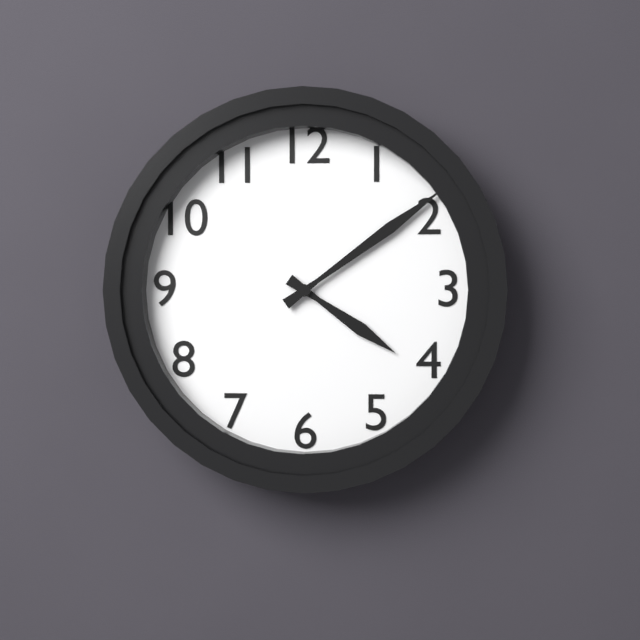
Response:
4.09
